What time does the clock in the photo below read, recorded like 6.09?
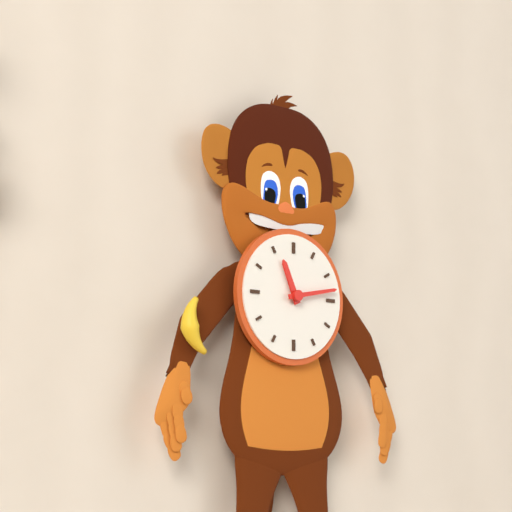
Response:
11.13
